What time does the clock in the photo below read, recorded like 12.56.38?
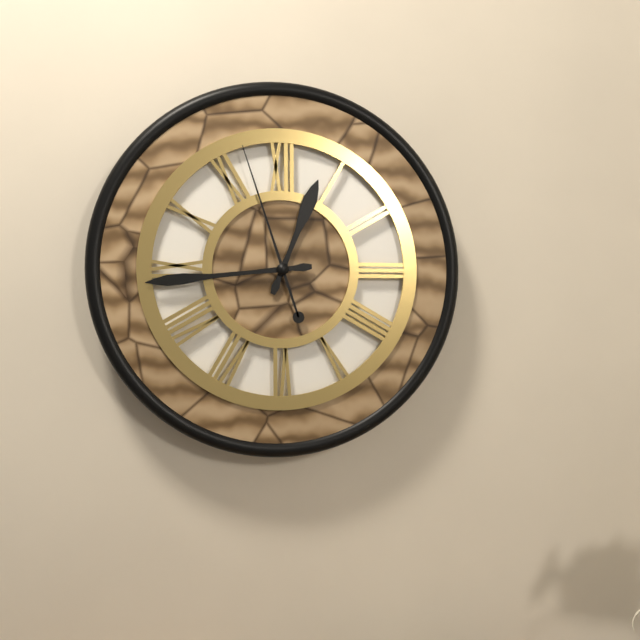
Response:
12.44.57
